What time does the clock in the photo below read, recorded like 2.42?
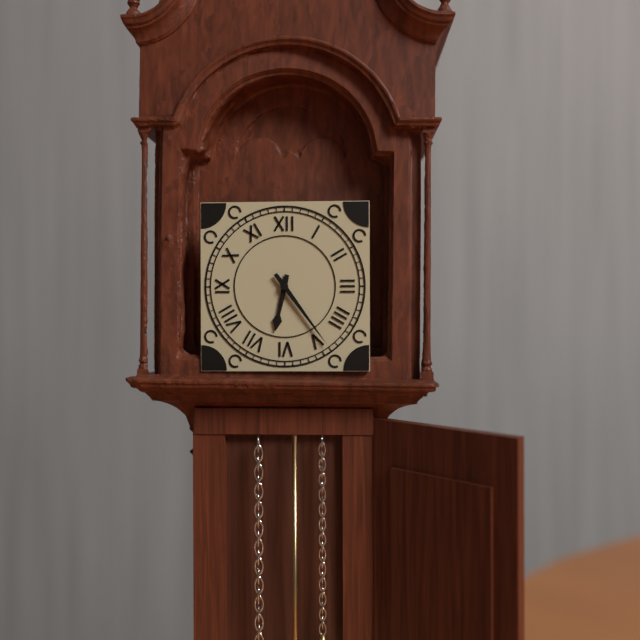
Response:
6.24
